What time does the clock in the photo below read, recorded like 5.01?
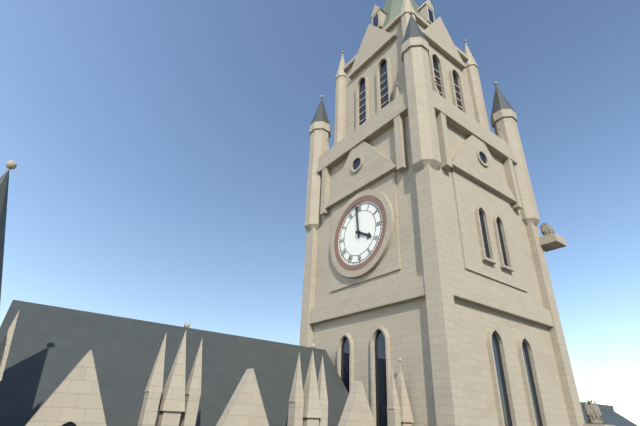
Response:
3.59
